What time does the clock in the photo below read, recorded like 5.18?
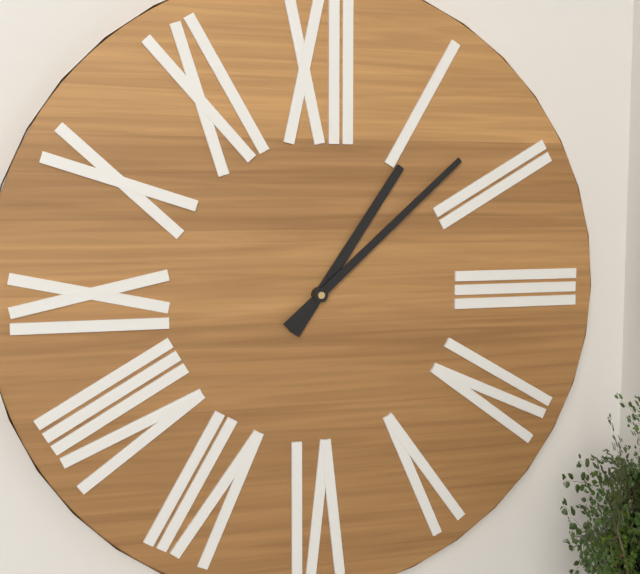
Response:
1.08
